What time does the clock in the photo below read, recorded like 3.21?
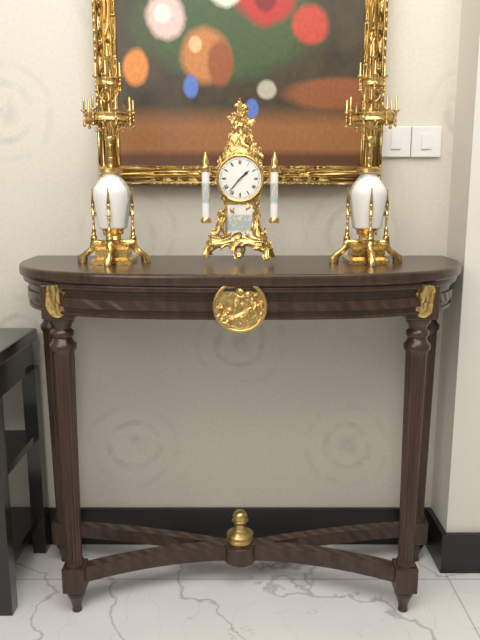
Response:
1.37
